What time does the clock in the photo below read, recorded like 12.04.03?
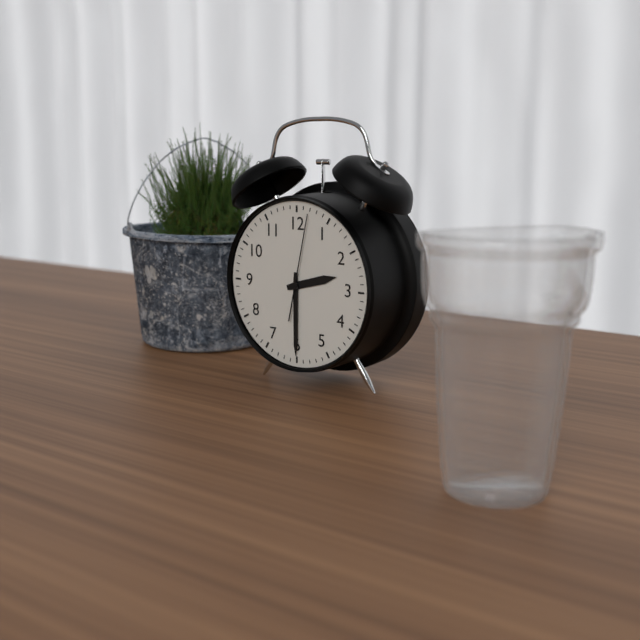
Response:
2.30.02
